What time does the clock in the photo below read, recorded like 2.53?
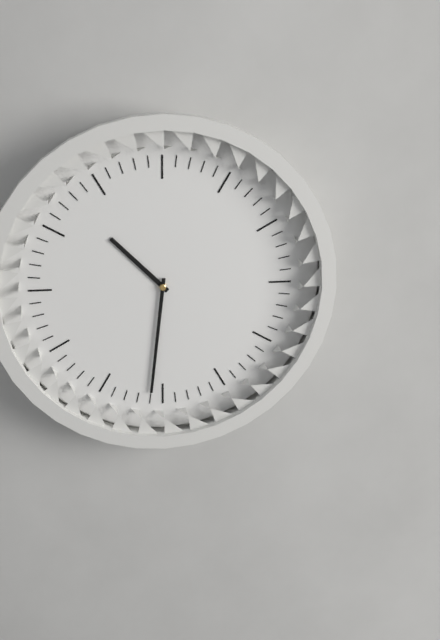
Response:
10.31
